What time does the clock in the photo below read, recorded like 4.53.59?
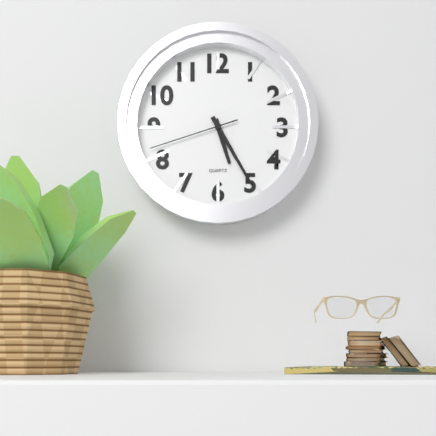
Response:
5.25.42
